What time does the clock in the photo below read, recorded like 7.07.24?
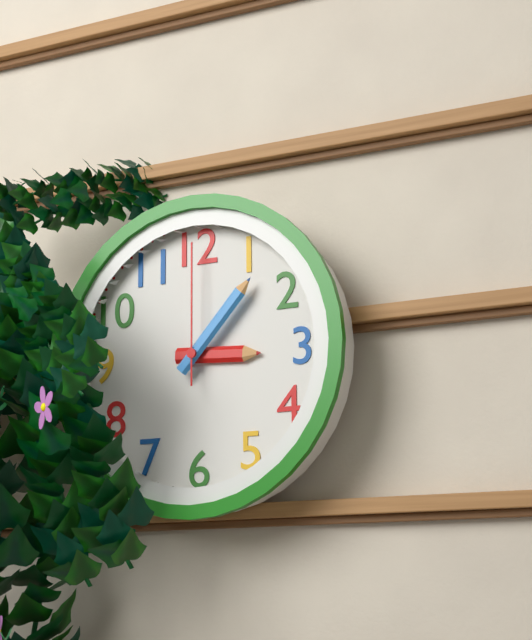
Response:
3.07.00
